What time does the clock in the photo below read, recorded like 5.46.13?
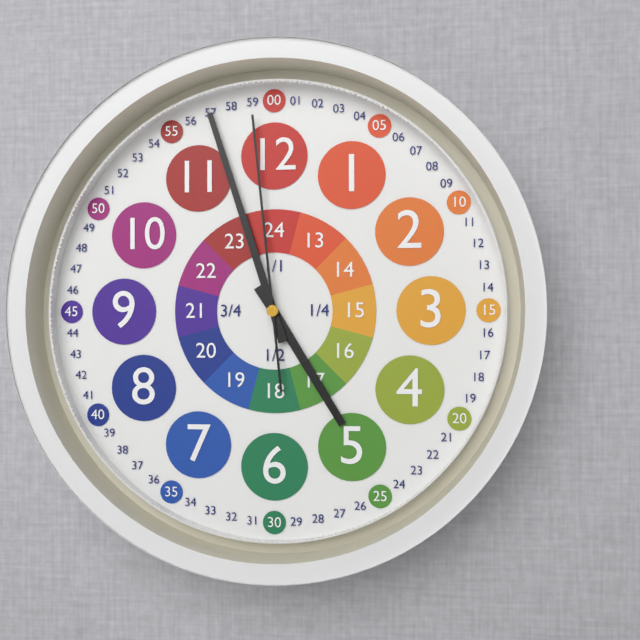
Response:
4.57.59
